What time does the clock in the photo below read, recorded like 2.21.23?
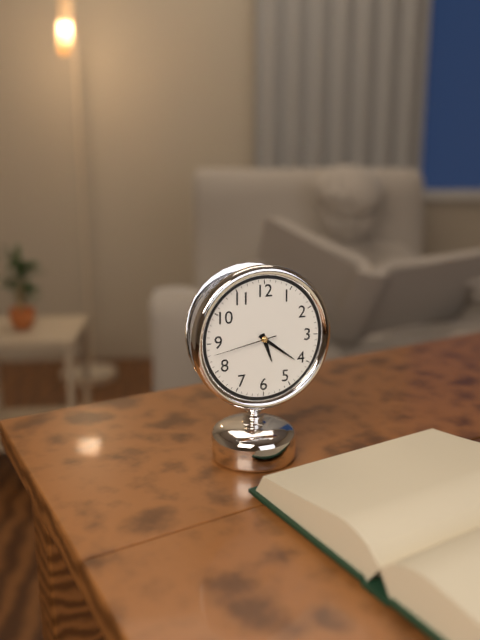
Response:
5.21.43
